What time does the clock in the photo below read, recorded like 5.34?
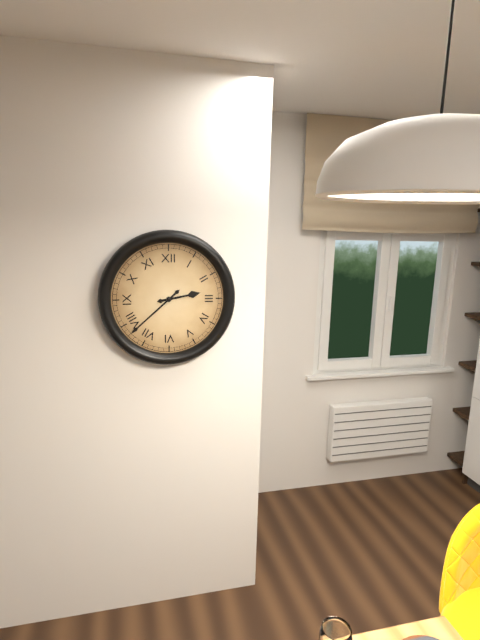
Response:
2.38
